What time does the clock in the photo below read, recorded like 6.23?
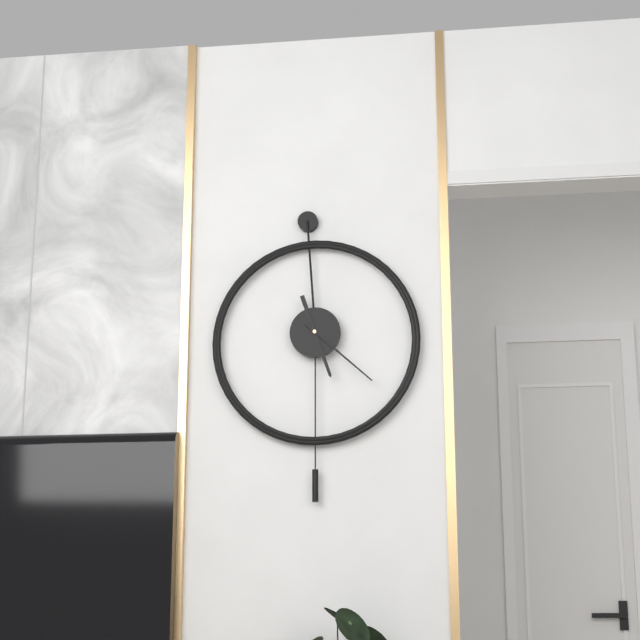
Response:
5.22
